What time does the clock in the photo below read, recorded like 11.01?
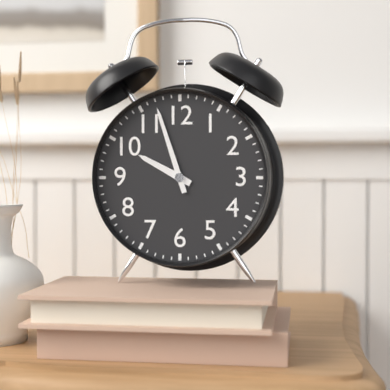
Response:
9.57
